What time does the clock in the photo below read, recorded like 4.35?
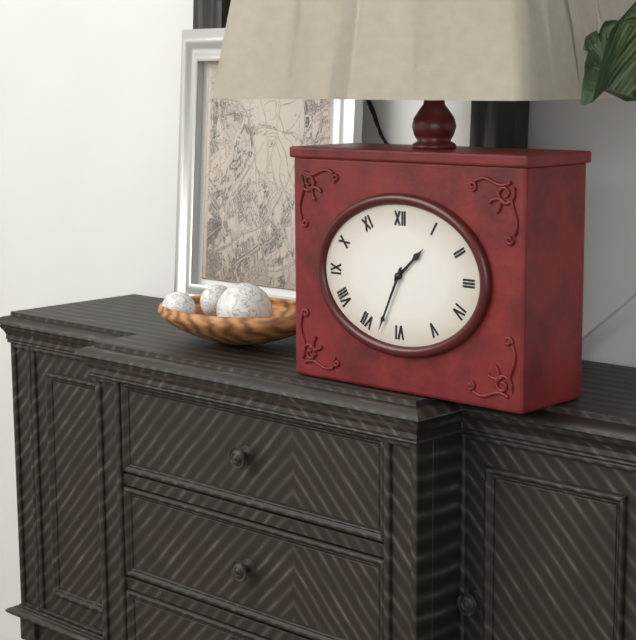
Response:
1.34
